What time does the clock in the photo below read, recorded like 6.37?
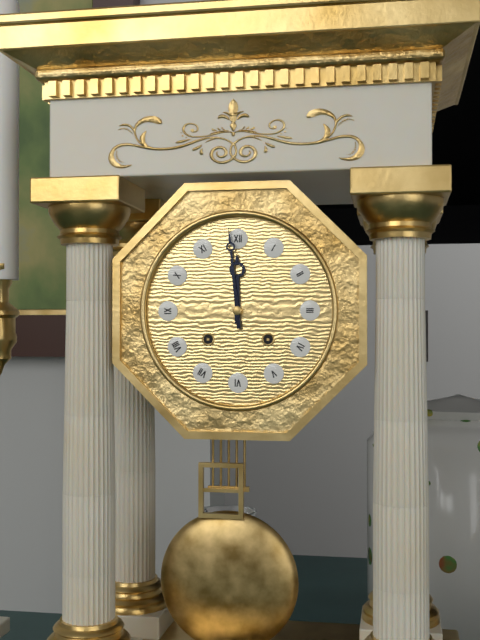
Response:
11.59
